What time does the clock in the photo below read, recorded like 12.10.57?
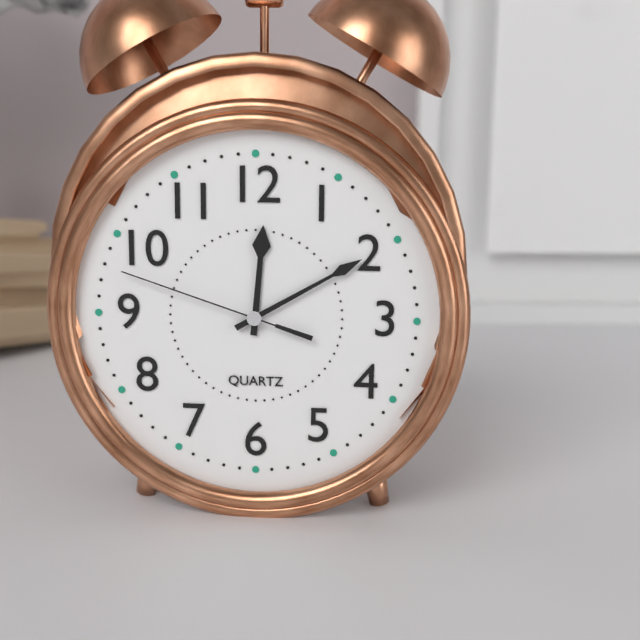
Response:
12.10.48
